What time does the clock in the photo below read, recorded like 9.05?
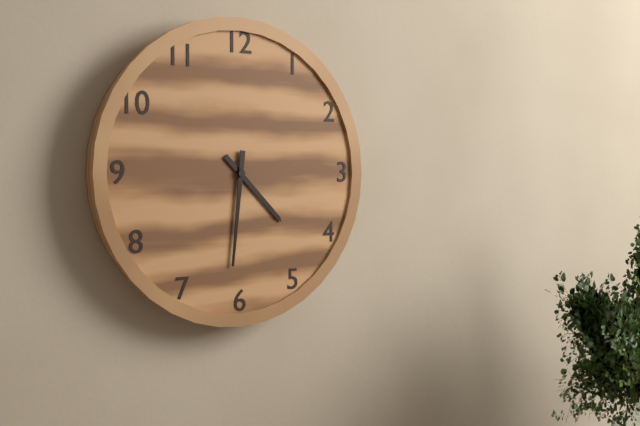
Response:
4.31
